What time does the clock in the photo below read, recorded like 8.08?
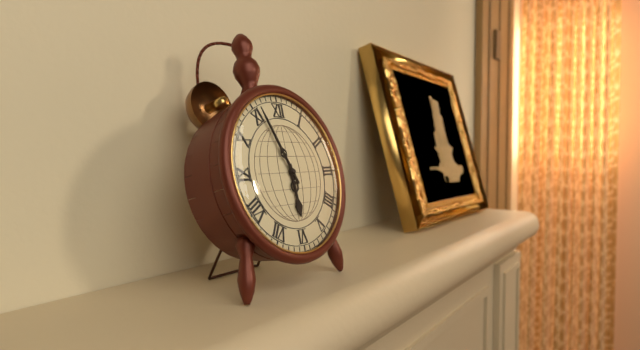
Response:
5.56
